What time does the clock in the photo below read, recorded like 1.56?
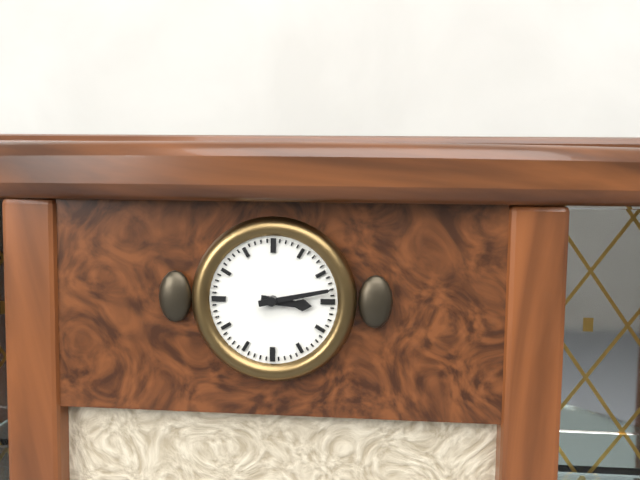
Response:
3.13
